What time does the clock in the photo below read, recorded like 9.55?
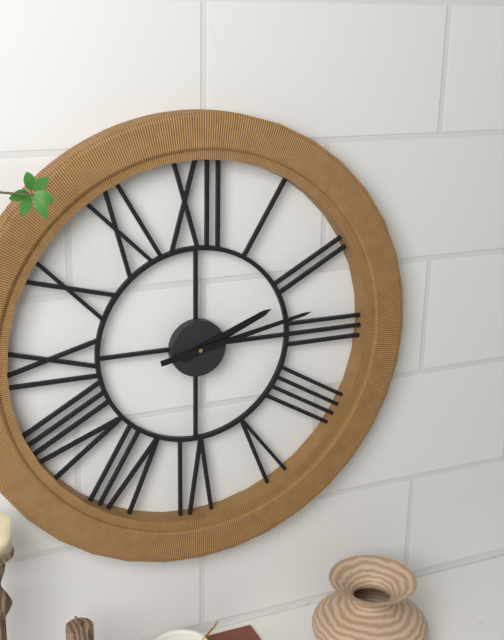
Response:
2.13
